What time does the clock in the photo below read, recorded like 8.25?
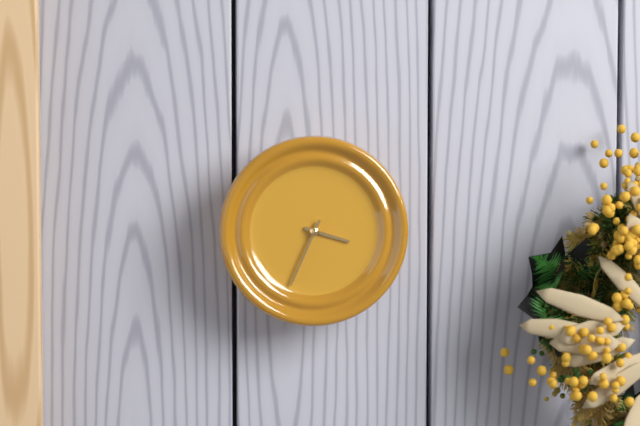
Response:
3.34
